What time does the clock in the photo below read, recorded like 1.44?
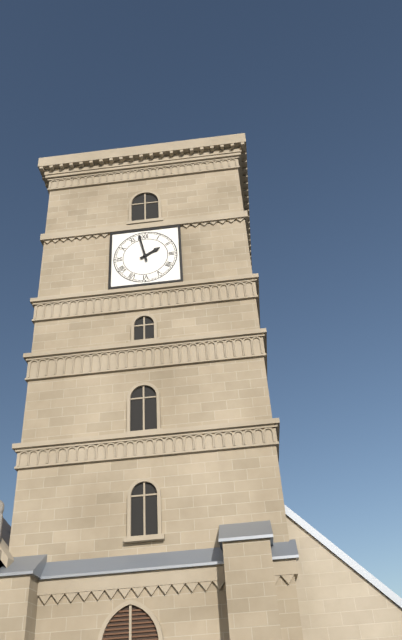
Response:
1.58
